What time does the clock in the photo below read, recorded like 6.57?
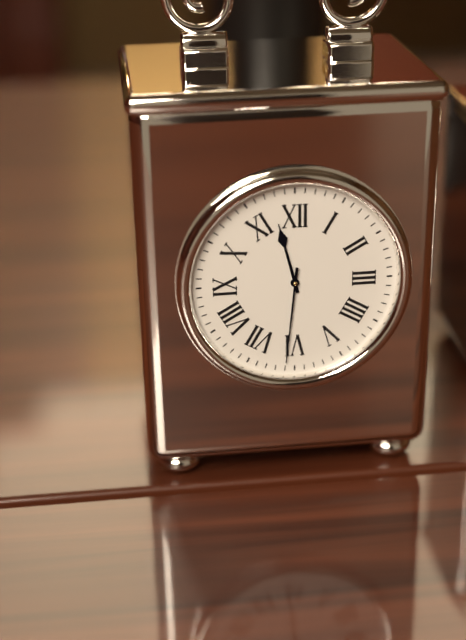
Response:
11.31
